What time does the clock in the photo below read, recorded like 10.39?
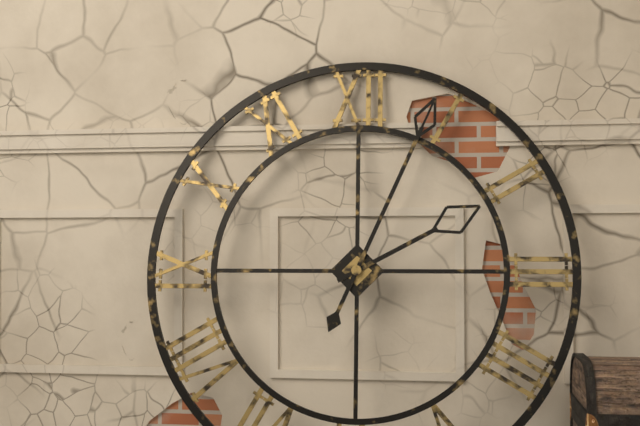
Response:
2.04
